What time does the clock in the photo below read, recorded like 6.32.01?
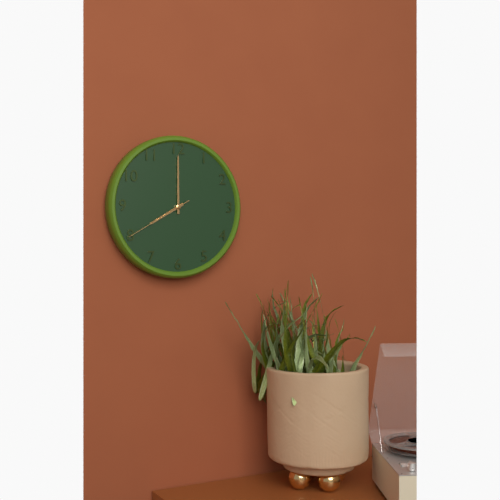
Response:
8.00.40
